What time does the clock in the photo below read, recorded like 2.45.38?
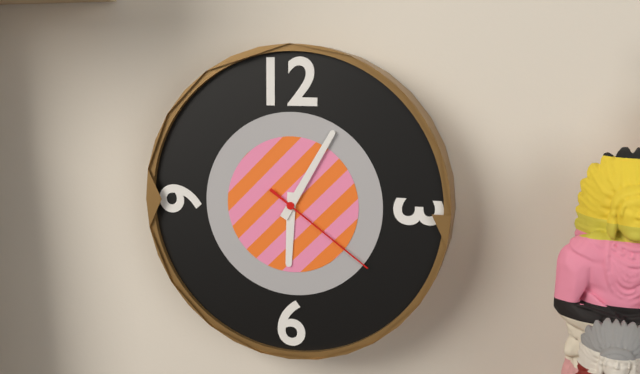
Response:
6.05.21
